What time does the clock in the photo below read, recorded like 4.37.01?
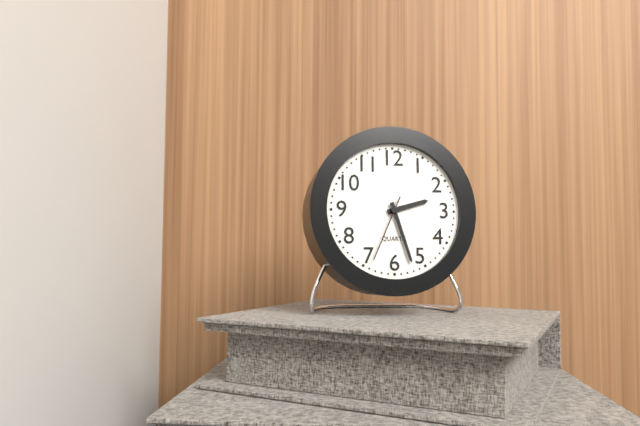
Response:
2.27.34
